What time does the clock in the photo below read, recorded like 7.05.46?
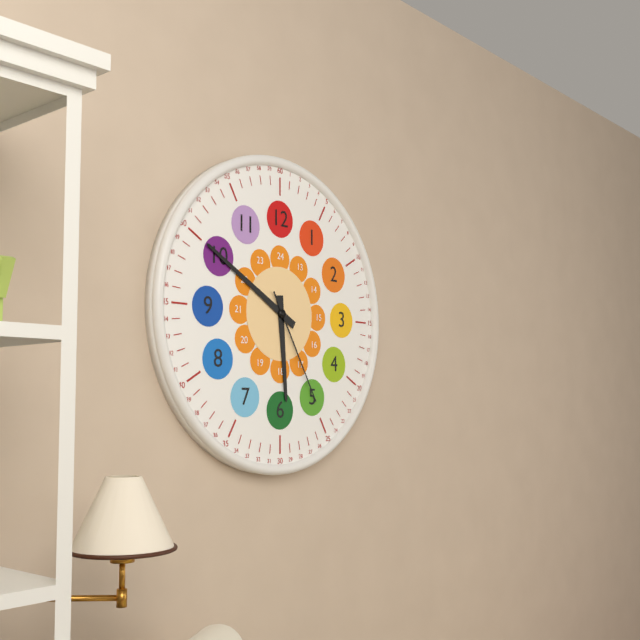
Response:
5.50.25
